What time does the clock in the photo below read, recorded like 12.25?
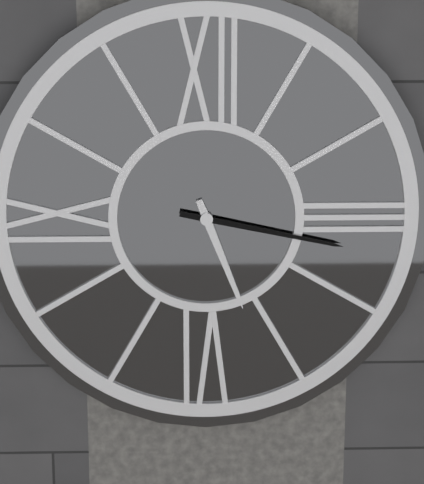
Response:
5.17
